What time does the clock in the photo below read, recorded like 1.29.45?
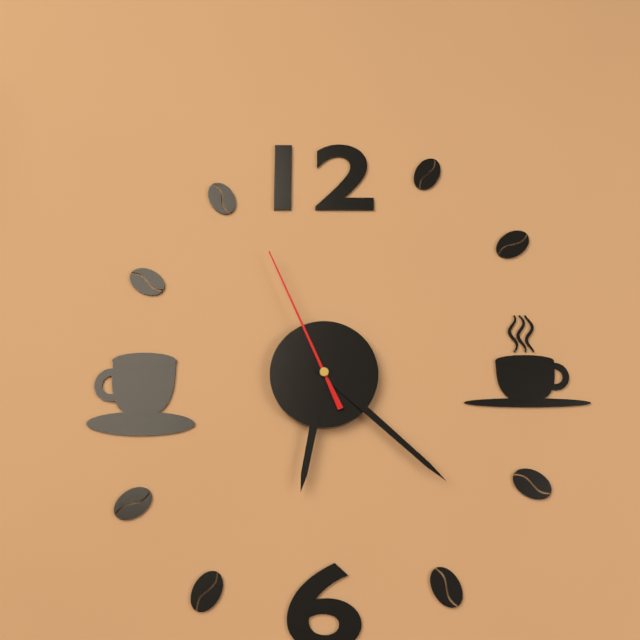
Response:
6.22.56
